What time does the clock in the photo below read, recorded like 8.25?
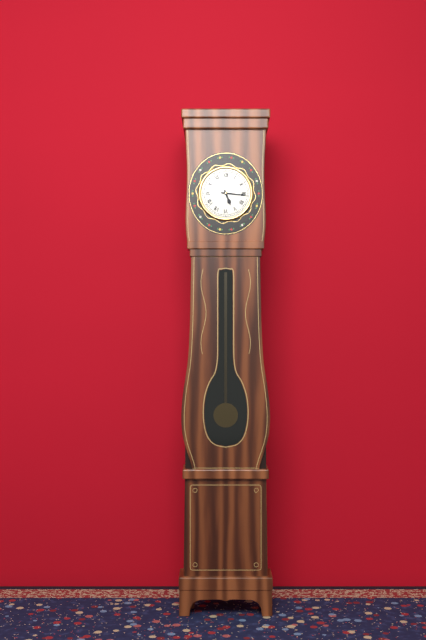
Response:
5.16
